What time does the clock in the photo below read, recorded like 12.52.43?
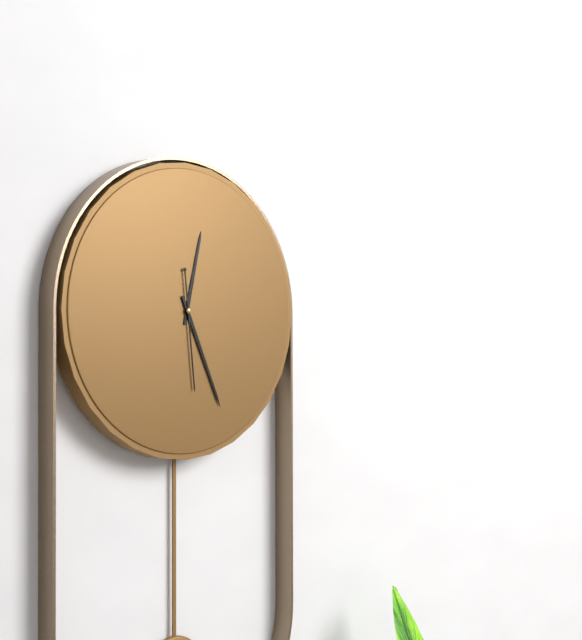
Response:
12.26.29
